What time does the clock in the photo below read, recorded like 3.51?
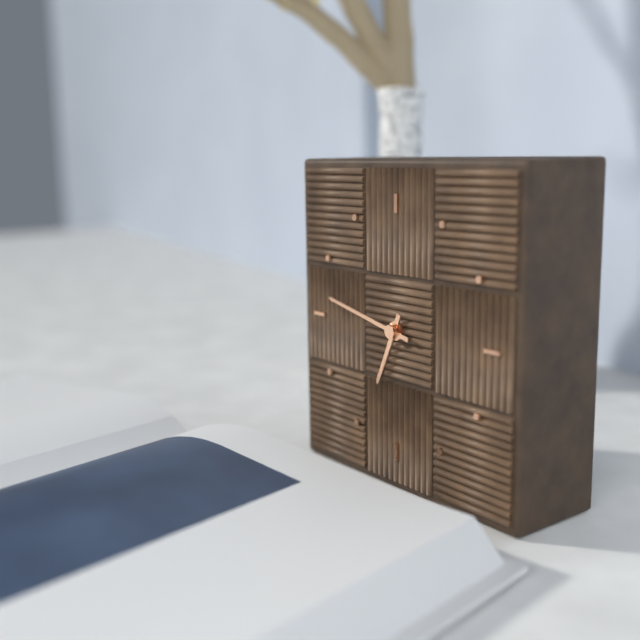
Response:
6.47
